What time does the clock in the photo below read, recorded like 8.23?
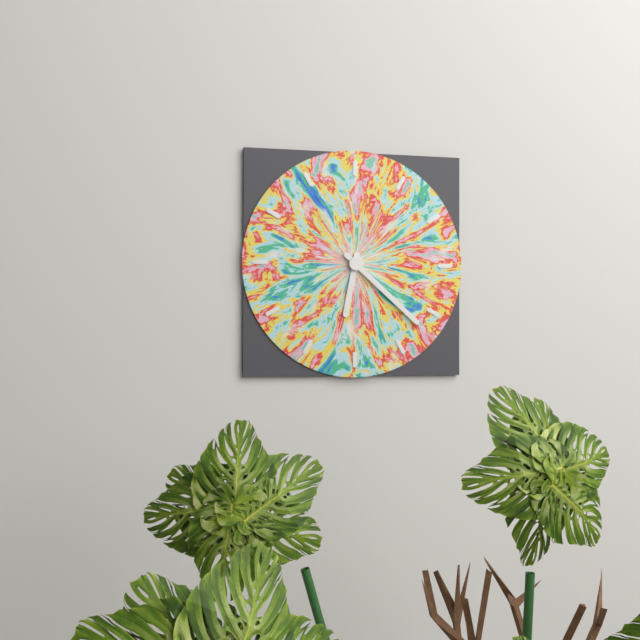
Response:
6.22
